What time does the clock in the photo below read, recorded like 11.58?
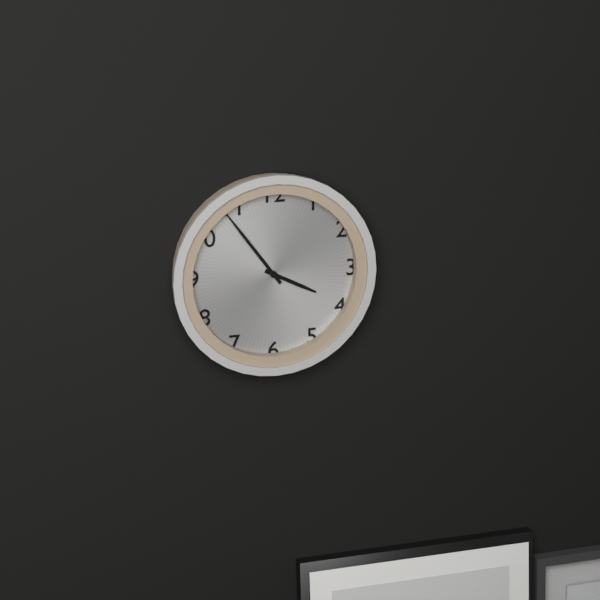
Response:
3.54
